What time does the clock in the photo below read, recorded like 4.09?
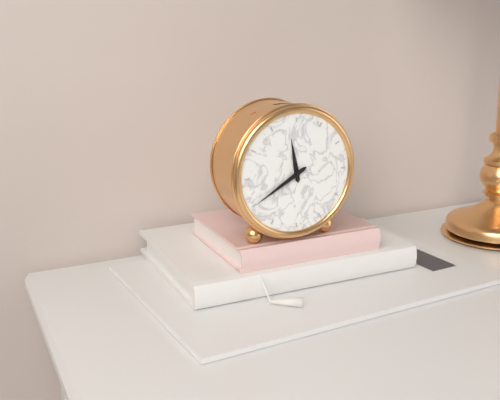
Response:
11.40
